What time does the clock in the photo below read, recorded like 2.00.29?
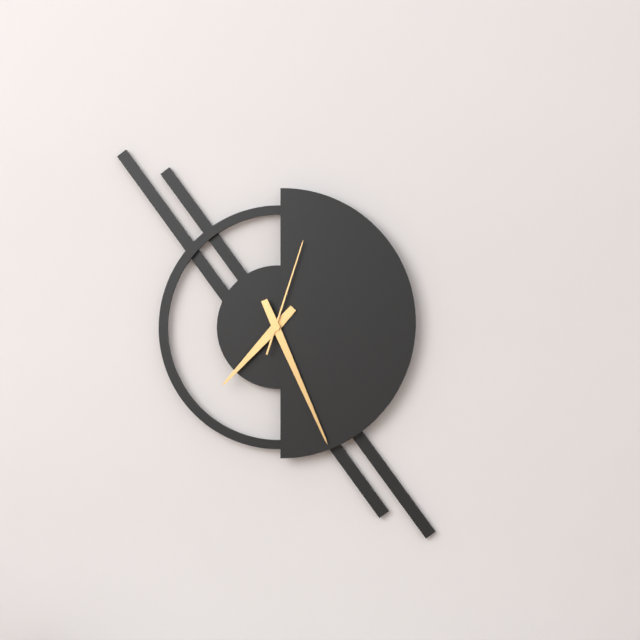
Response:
7.26.03
